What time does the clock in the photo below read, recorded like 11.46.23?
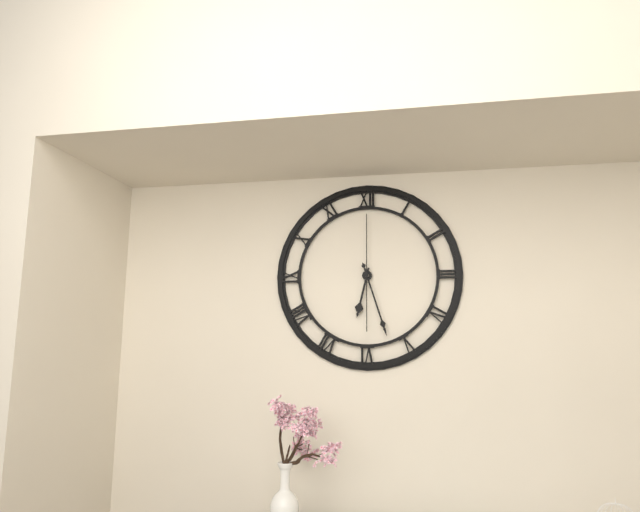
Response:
6.27.00
